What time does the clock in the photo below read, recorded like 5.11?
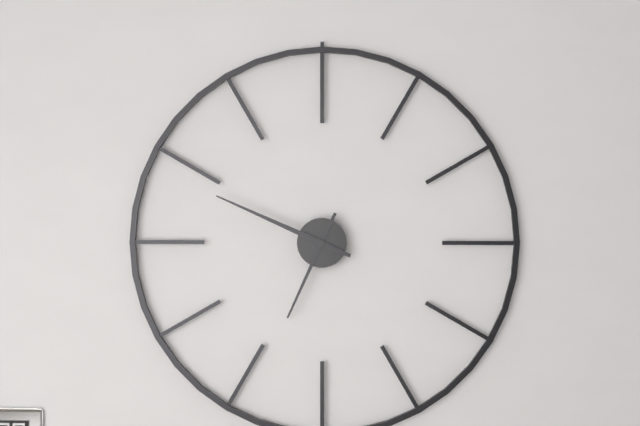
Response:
6.49
